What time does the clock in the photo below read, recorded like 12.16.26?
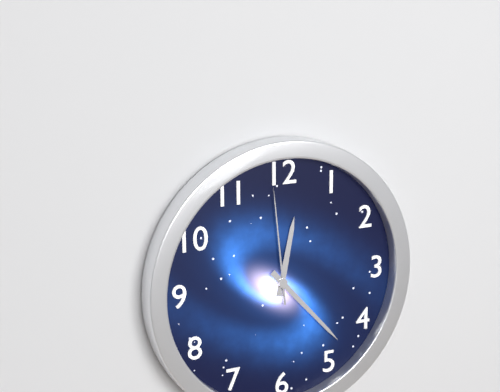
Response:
12.23.59
